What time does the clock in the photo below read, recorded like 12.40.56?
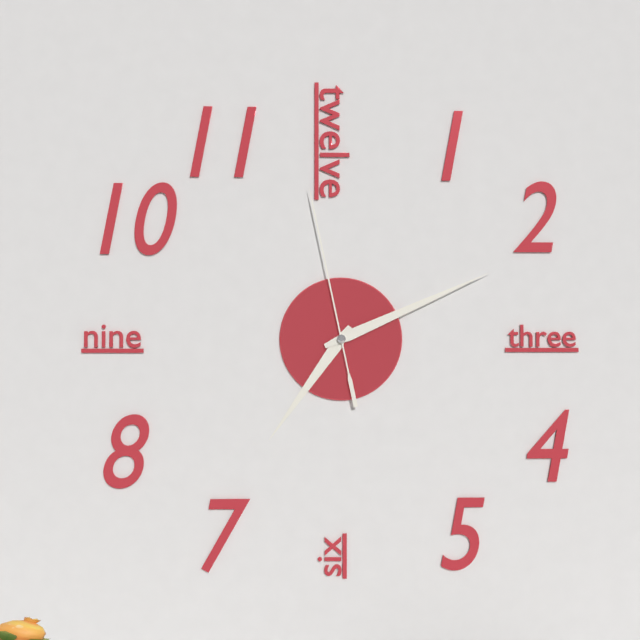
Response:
7.11.58
